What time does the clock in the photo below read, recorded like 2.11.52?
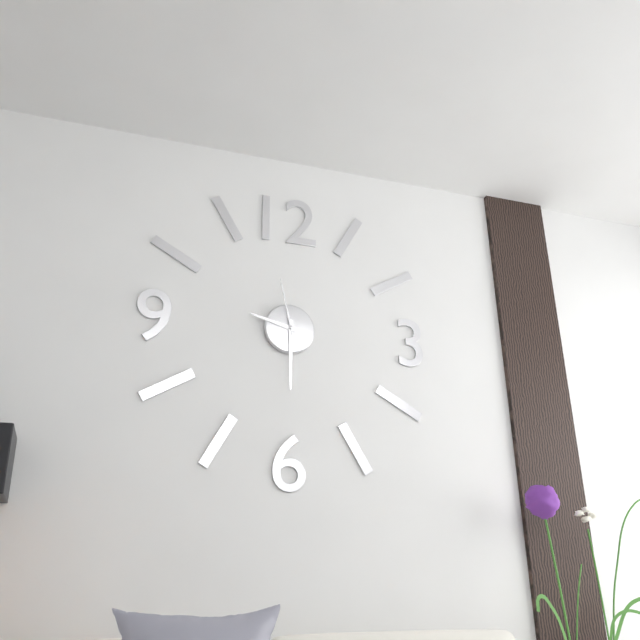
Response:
9.30.58
